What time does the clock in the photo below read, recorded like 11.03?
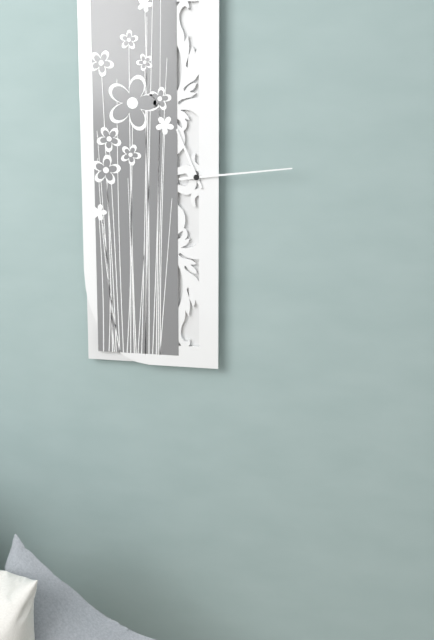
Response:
11.14
